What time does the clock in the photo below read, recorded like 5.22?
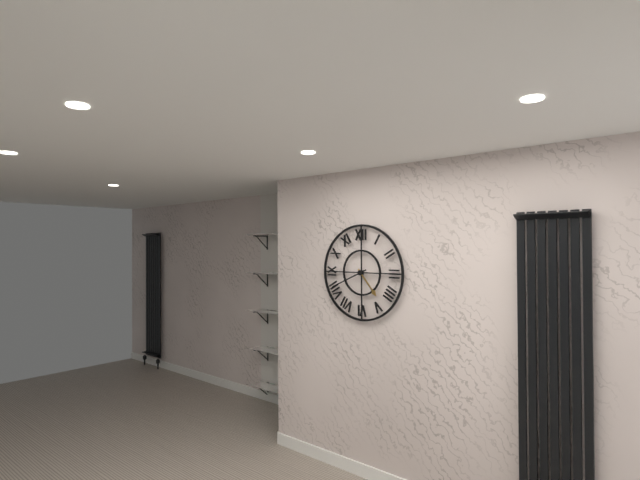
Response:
4.41
